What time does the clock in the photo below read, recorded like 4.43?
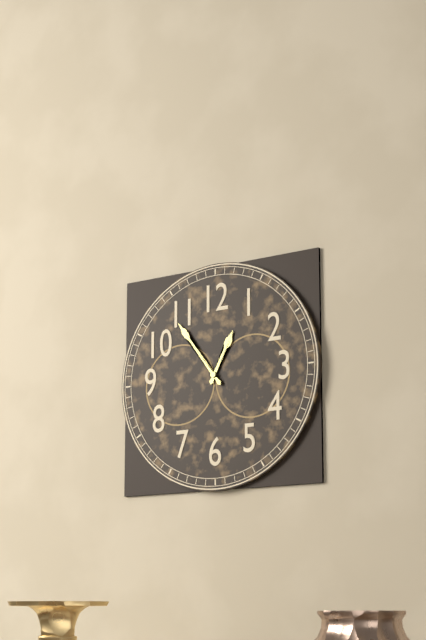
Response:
12.54
